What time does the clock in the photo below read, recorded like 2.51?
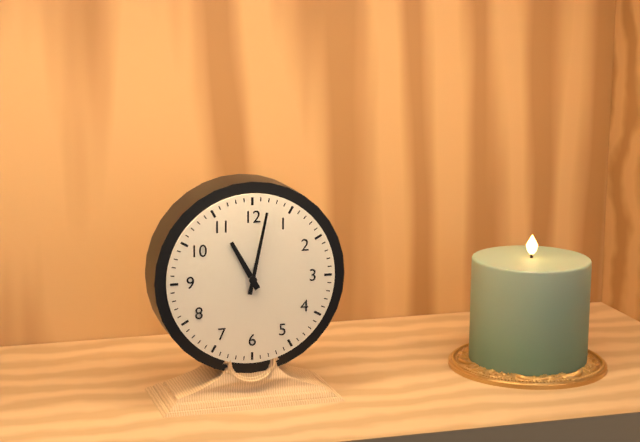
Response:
11.02
